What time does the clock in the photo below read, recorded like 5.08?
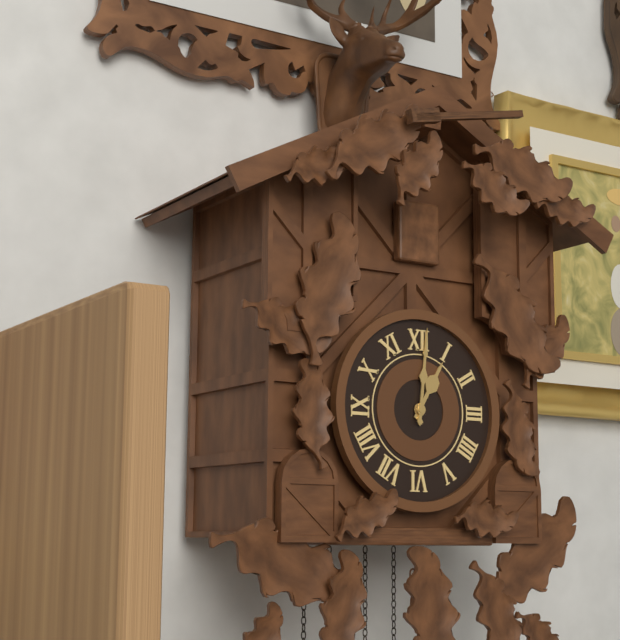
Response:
1.01
